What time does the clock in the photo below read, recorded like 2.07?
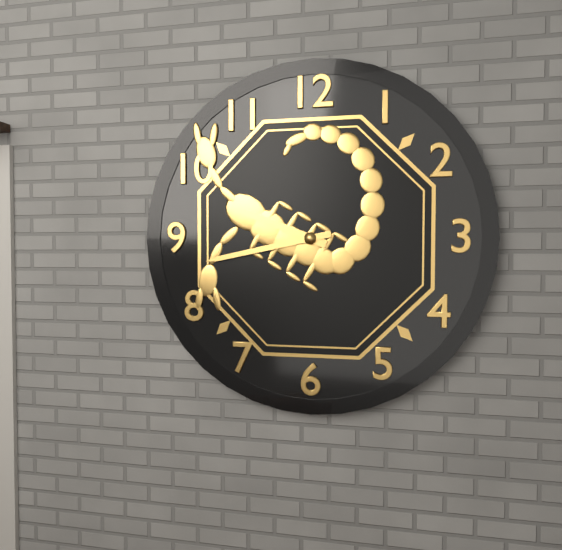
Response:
9.43
